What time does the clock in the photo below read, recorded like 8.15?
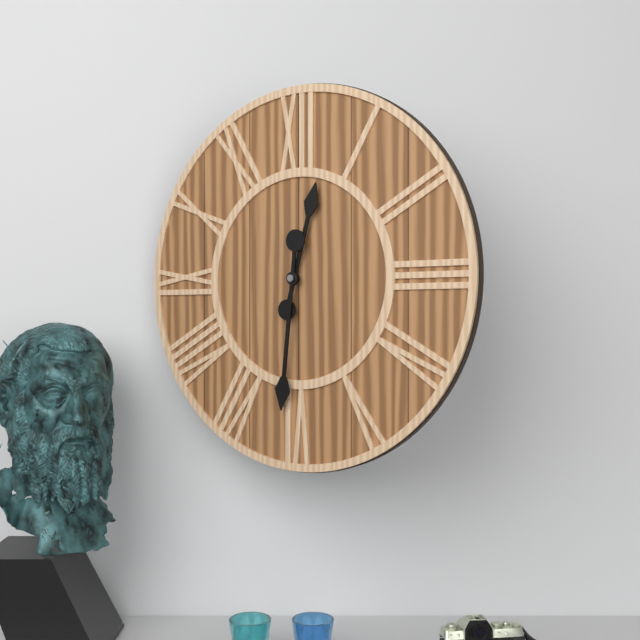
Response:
12.31
